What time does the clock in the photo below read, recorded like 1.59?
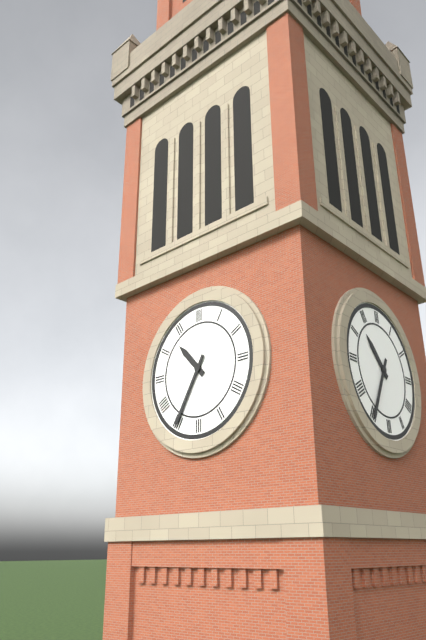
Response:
10.35
